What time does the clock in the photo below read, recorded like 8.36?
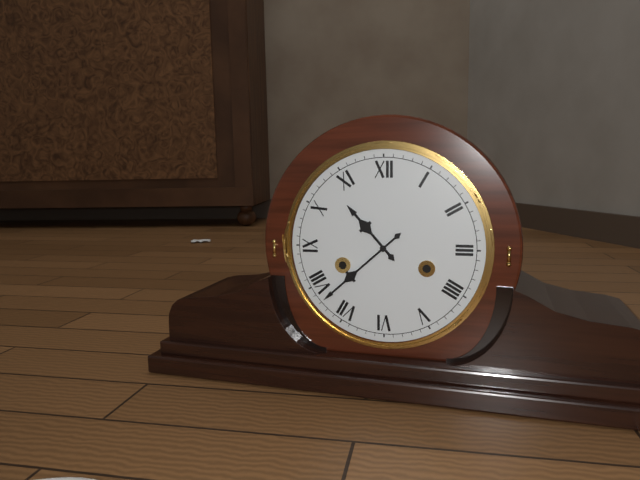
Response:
10.38
